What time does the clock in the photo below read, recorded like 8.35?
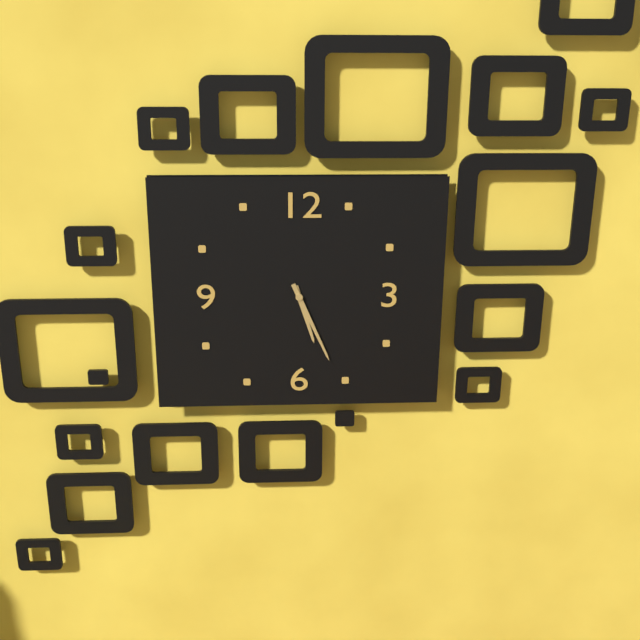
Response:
5.26
